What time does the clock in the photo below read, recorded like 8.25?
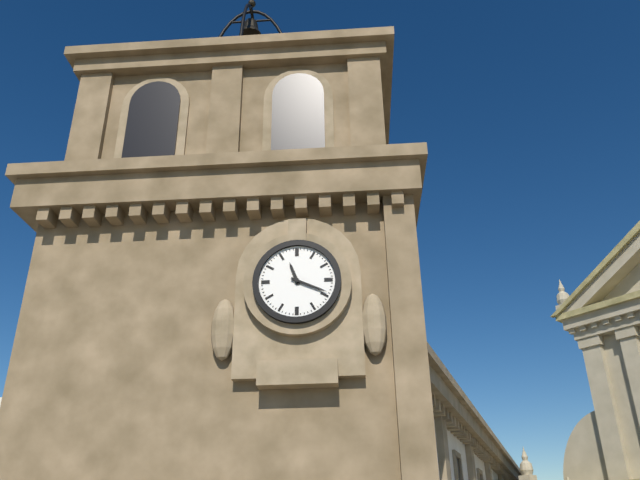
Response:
11.19
